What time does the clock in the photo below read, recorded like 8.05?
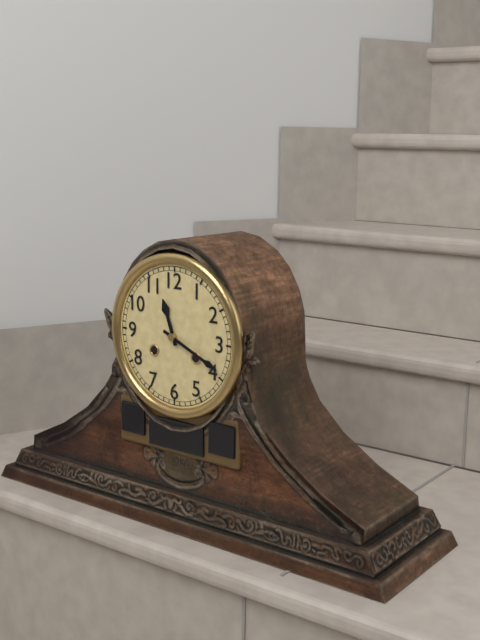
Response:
11.19
